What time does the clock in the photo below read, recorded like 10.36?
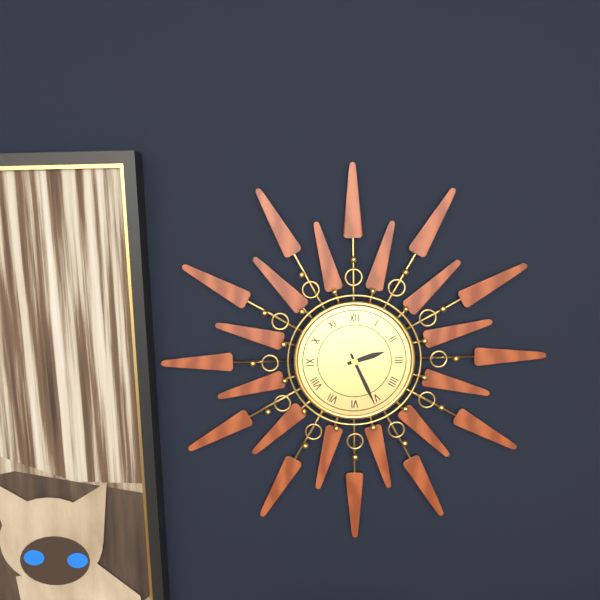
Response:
2.26
